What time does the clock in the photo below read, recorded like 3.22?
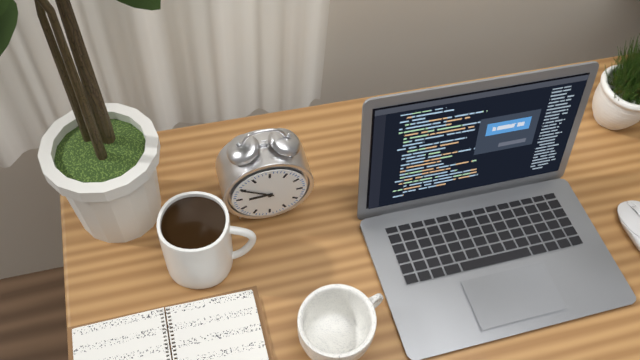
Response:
8.50
